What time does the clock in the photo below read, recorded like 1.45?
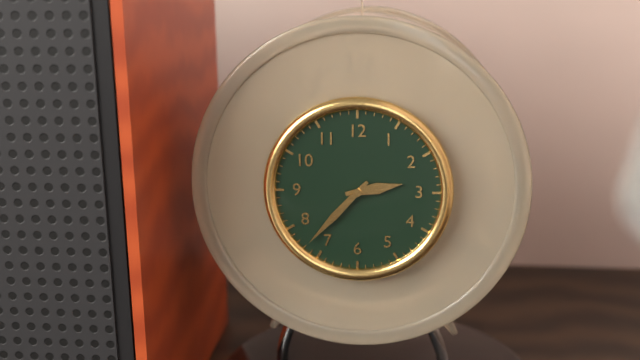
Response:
2.37
